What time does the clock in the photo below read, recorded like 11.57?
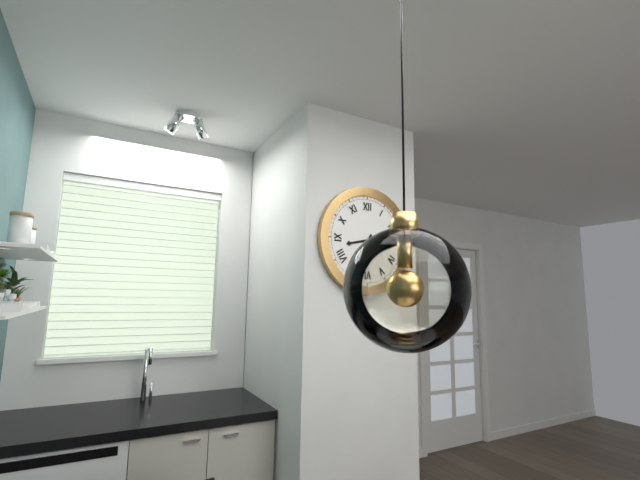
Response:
8.36
